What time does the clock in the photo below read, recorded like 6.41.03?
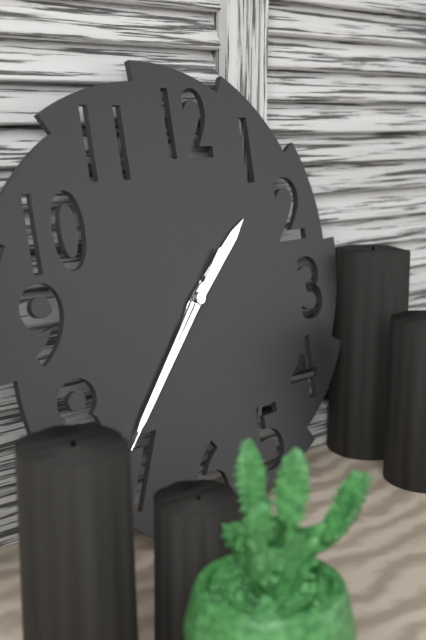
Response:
1.37.37
